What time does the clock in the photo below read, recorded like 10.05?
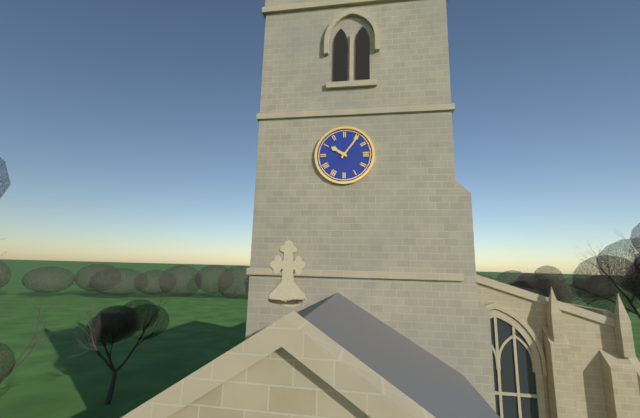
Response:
10.06
